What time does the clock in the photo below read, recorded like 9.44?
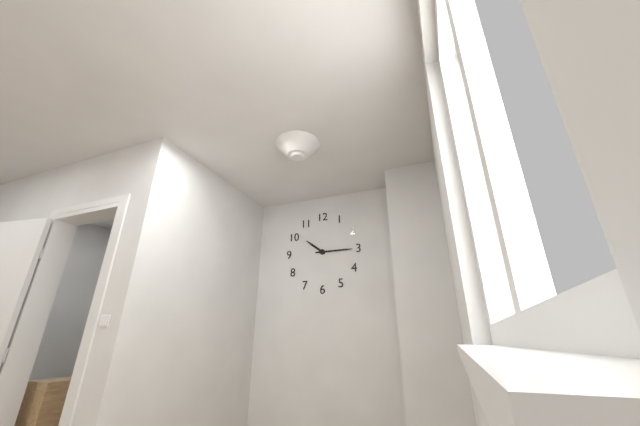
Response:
10.15
